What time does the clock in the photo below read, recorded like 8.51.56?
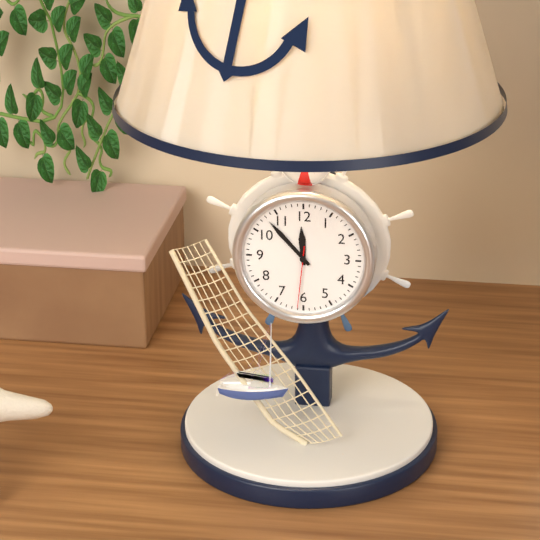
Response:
11.53.31
